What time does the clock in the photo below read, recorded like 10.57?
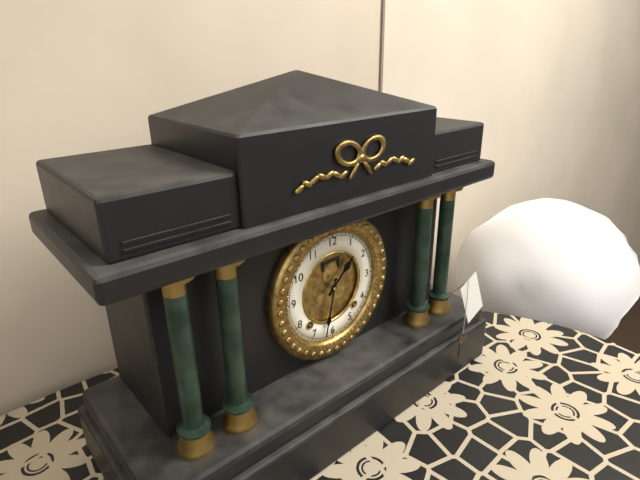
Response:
1.32
